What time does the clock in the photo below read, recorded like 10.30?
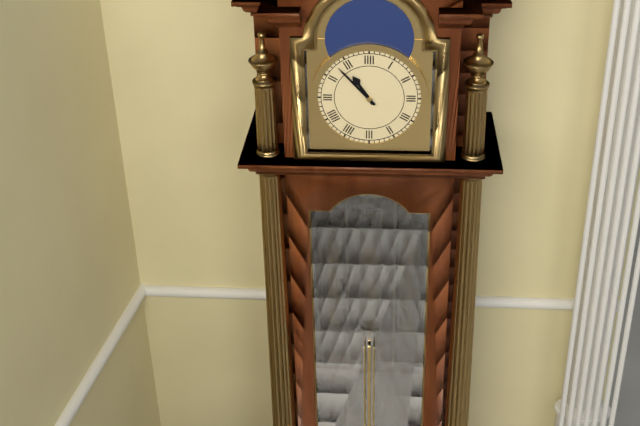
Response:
10.53
